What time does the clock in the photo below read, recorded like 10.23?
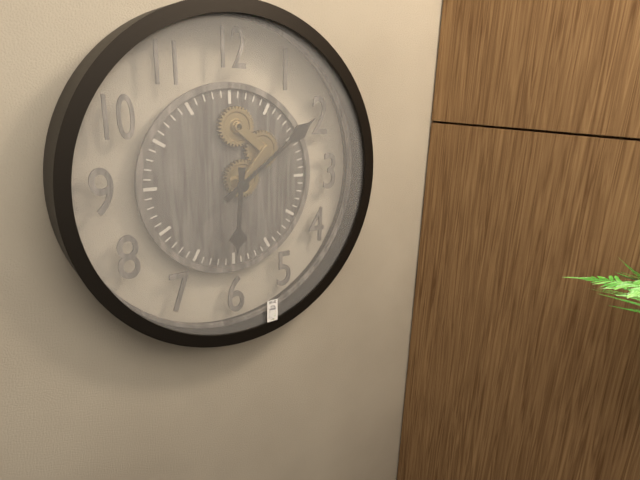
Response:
6.09
